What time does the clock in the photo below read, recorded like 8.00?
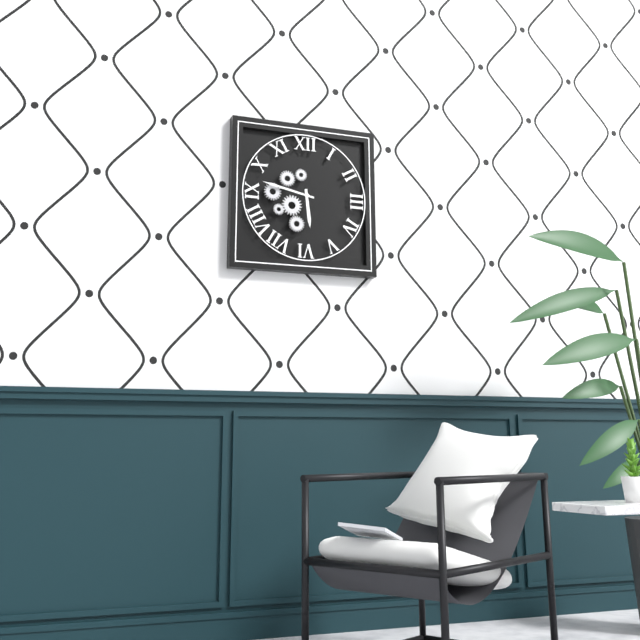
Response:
5.47
